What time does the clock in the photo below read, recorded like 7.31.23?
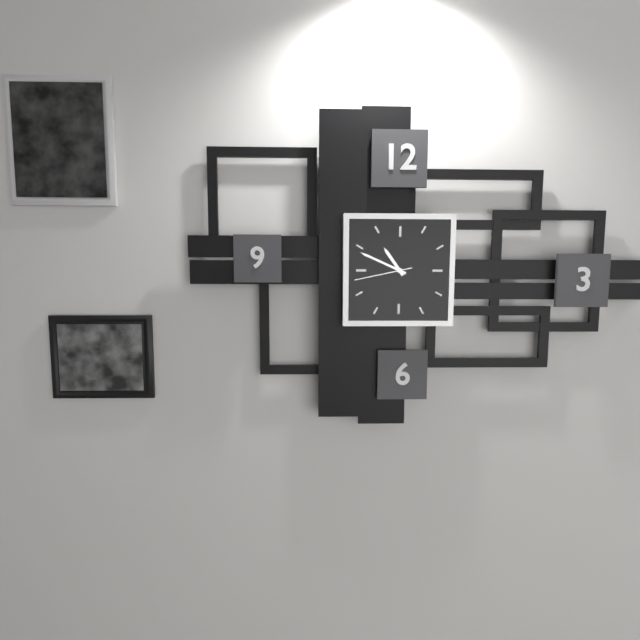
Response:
10.49.43
